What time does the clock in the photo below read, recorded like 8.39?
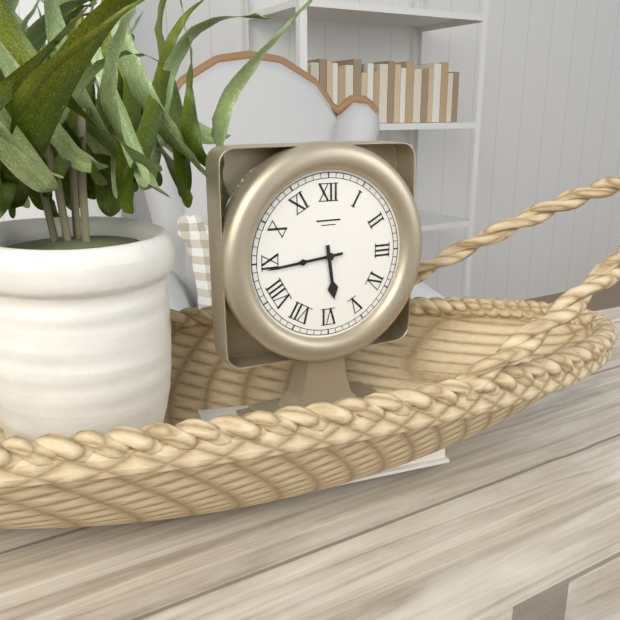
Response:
5.44
